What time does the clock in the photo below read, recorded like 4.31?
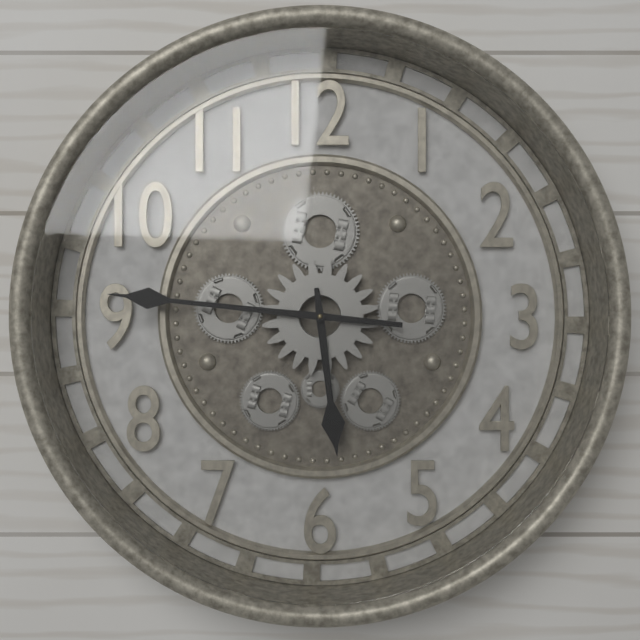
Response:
5.46
